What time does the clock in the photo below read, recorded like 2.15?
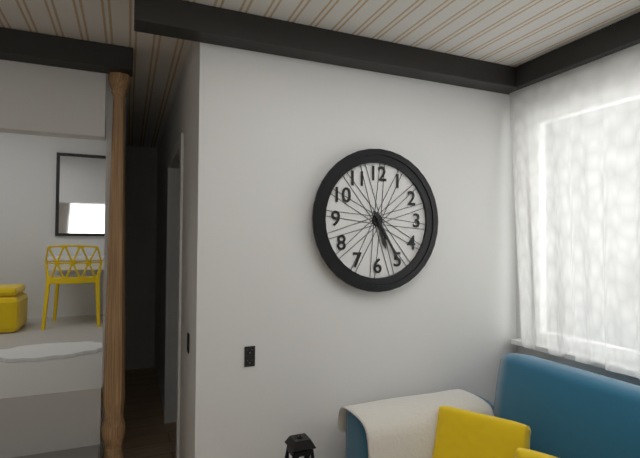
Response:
5.25
